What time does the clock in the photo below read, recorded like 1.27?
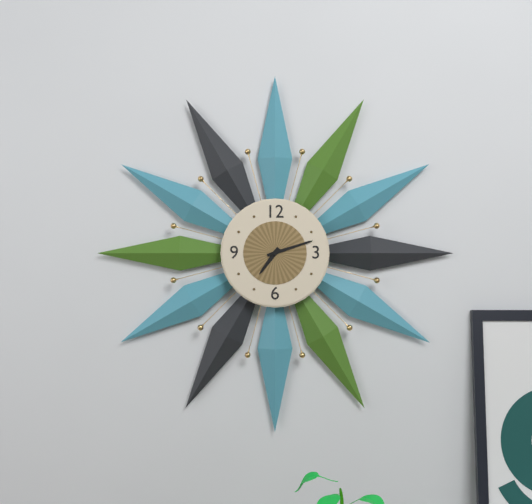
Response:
7.12
